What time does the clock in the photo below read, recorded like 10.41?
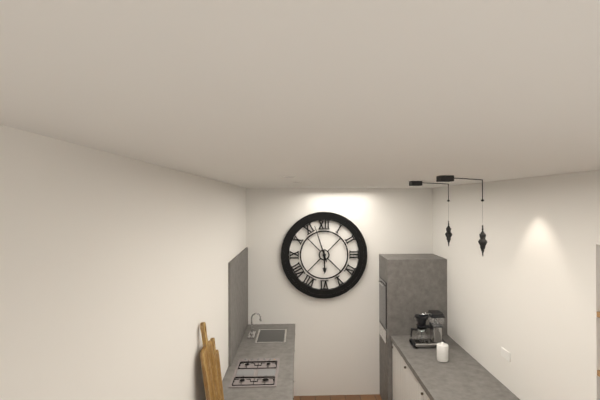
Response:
5.57
